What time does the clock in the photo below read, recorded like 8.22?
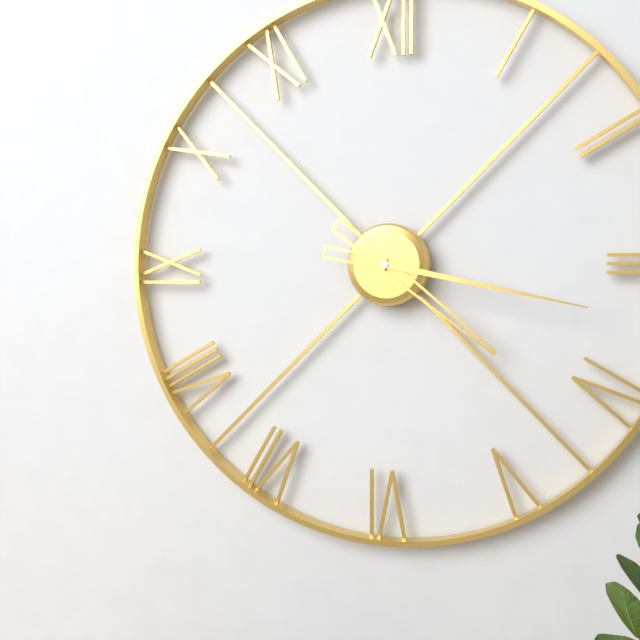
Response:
4.17
